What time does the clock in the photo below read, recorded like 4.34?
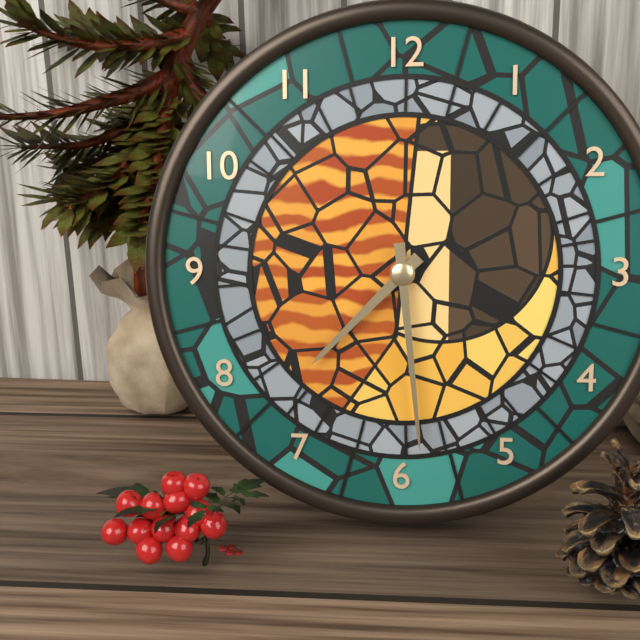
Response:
7.29
